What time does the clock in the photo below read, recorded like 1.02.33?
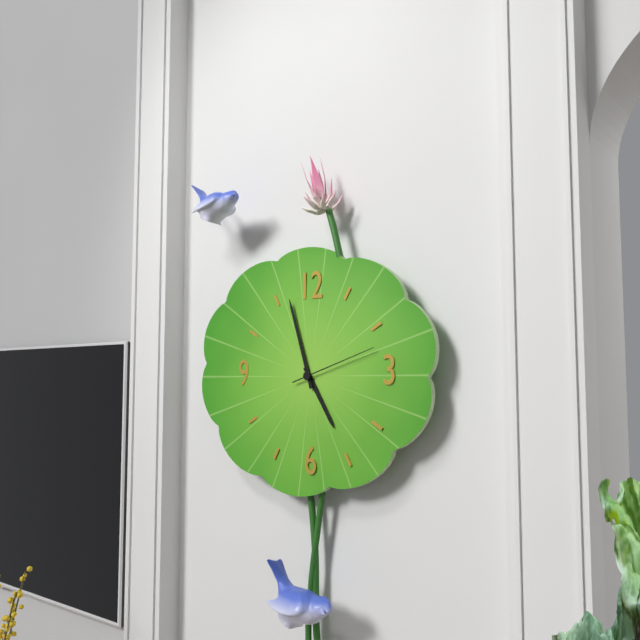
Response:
4.57.12
